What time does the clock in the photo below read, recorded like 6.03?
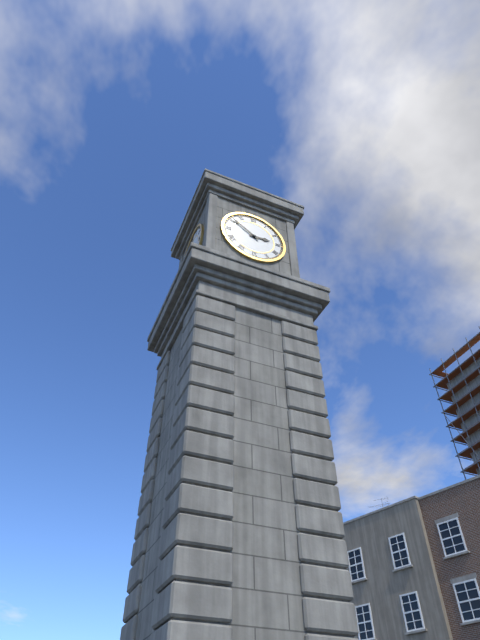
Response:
2.51
